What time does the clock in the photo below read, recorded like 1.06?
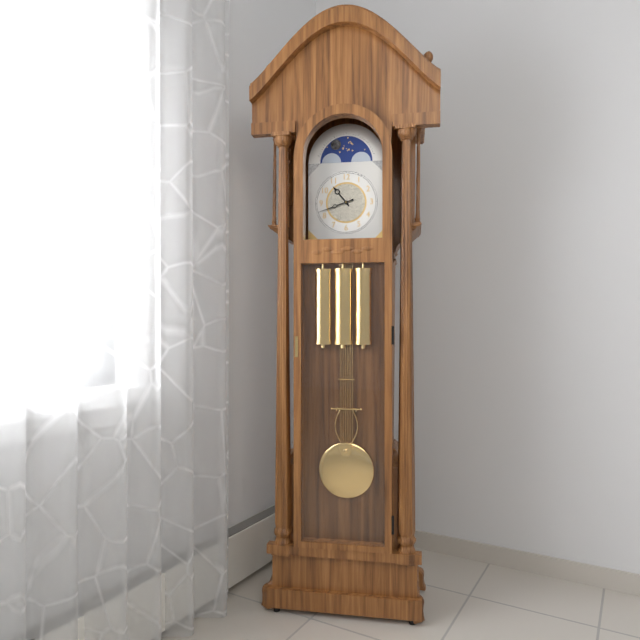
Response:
10.42
